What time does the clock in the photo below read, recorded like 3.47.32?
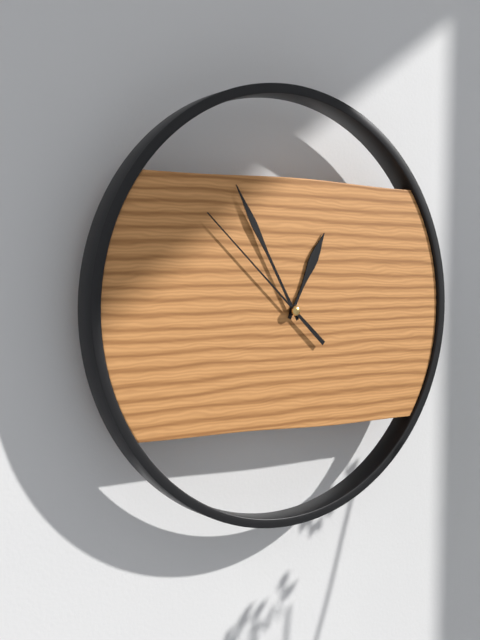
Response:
12.55.52
